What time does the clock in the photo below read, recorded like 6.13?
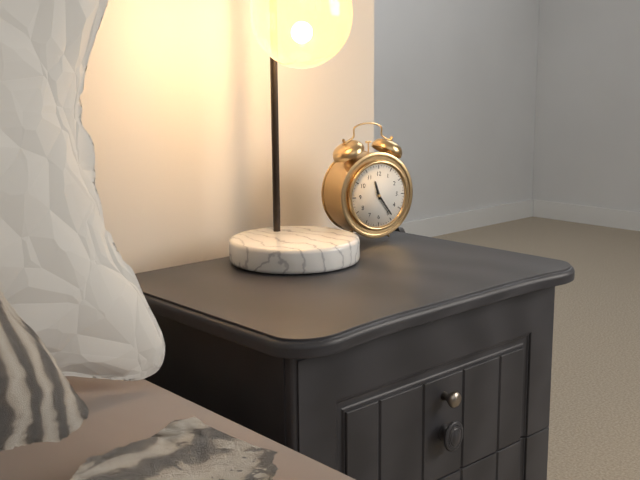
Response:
11.24
